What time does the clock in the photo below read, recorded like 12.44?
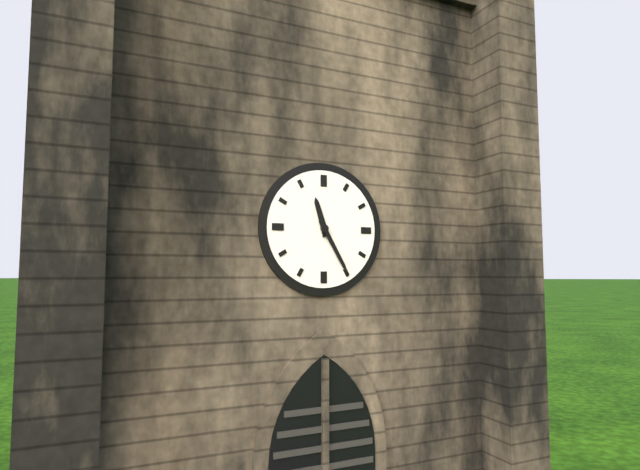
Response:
11.25
